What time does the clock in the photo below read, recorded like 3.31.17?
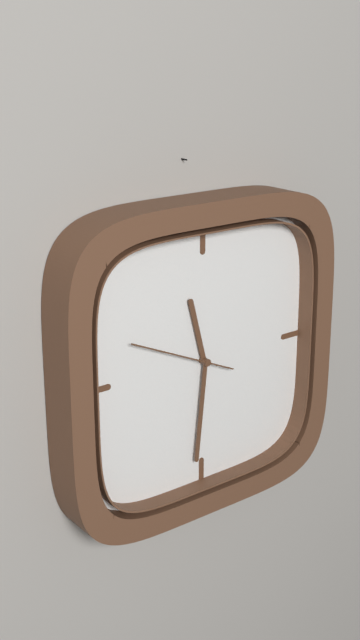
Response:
11.31.49
